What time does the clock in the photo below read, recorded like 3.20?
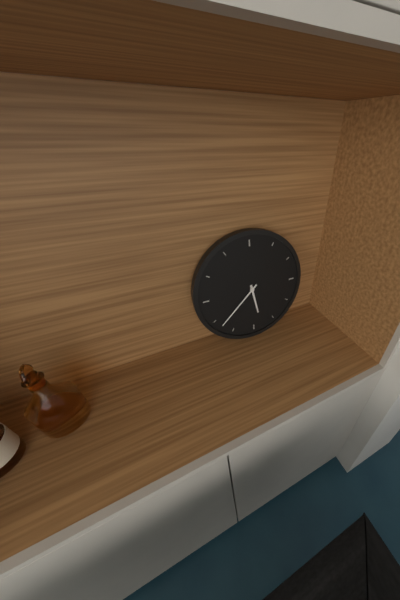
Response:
5.38
